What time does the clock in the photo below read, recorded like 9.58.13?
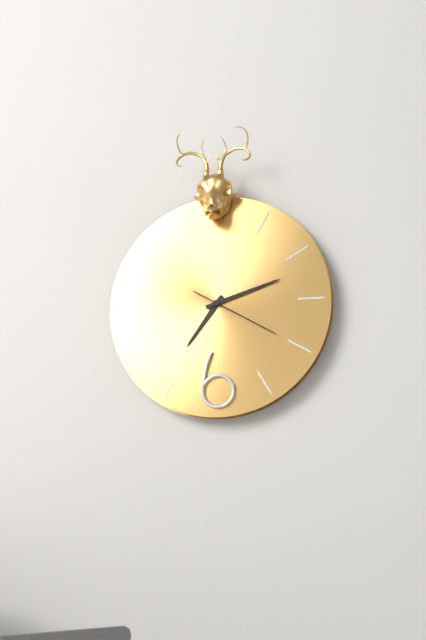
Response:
7.12.20
